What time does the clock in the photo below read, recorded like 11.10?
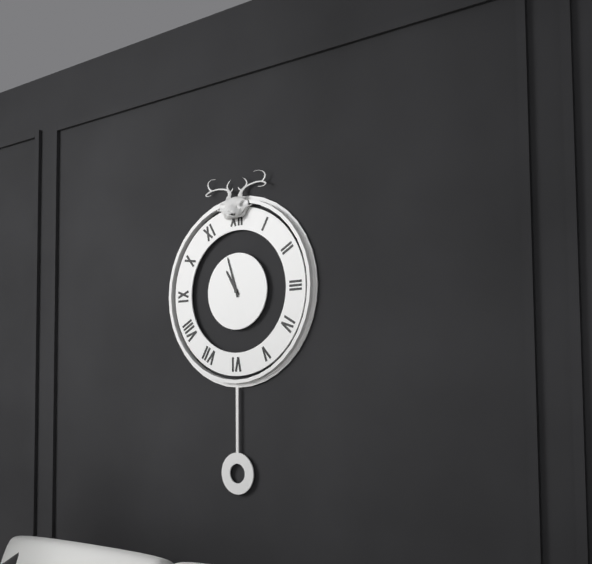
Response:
10.57
